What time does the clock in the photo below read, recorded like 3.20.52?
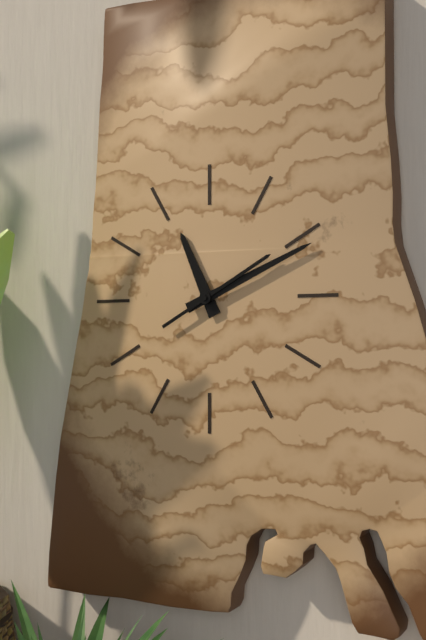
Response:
11.11.10
